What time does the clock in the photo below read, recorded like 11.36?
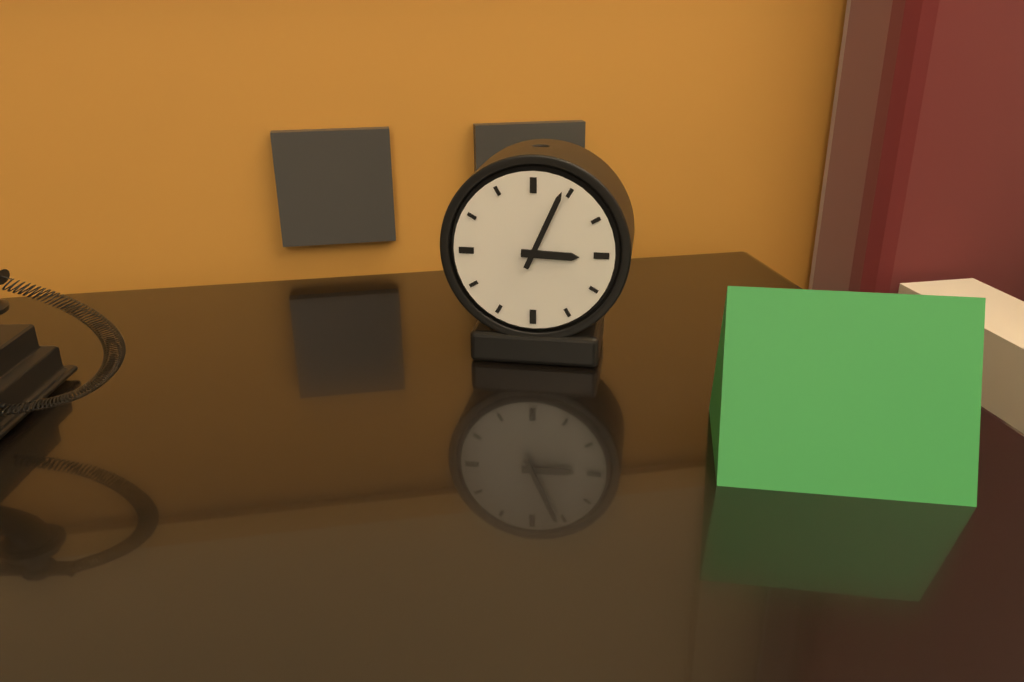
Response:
3.04
